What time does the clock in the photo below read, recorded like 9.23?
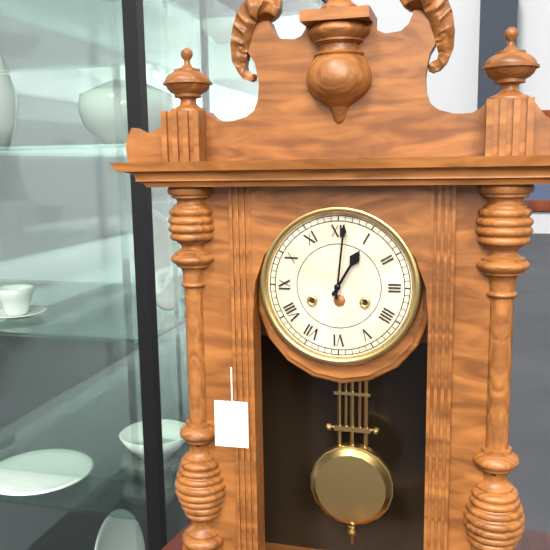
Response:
1.01
